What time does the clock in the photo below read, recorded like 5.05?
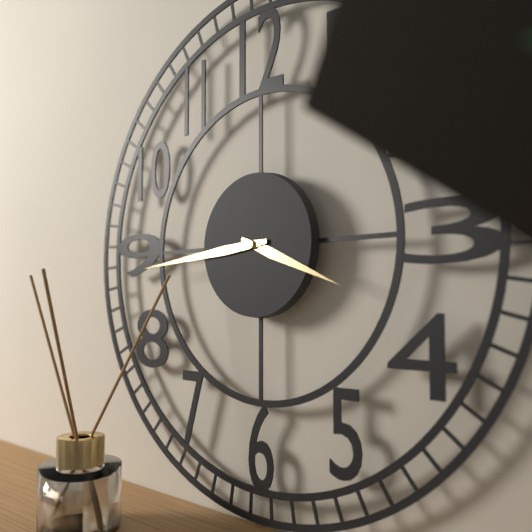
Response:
3.44
